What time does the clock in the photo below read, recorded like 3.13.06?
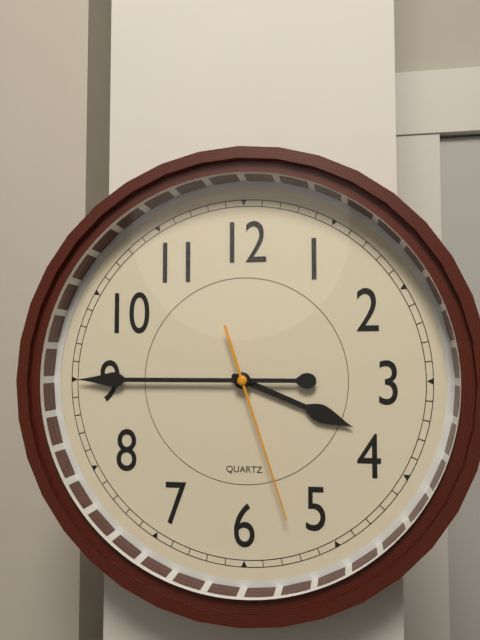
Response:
3.45.27
